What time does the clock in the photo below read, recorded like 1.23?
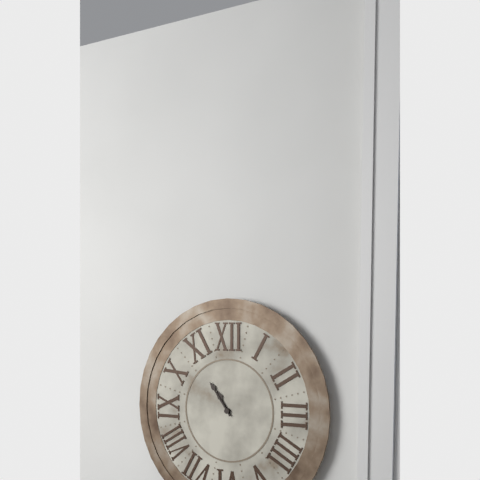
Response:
10.54
